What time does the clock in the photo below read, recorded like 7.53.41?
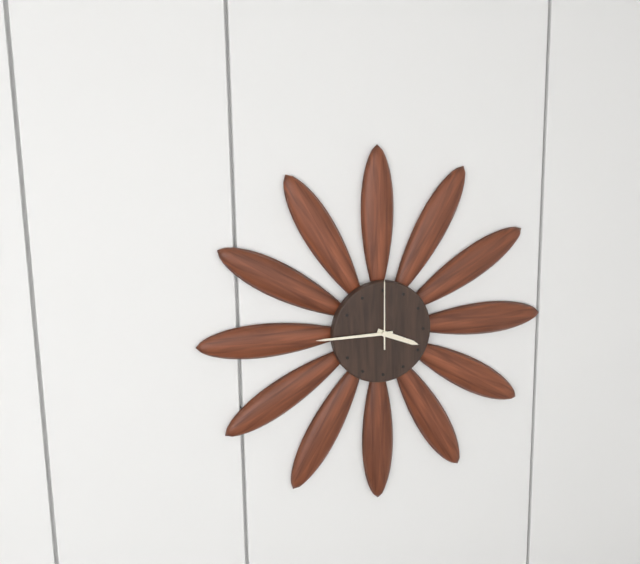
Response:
3.45.00
